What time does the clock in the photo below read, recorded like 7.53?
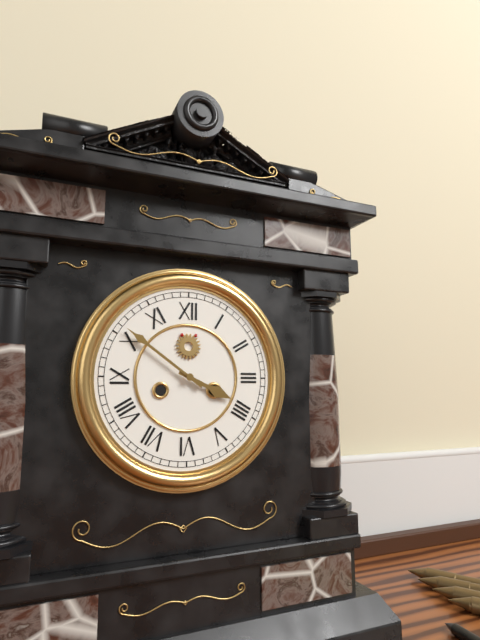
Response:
3.51
